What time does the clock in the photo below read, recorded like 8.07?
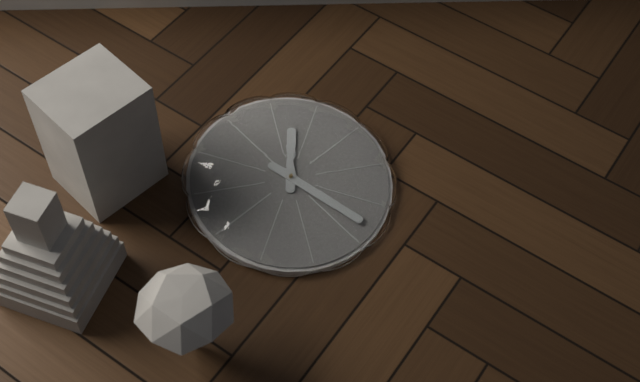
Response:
1.28
